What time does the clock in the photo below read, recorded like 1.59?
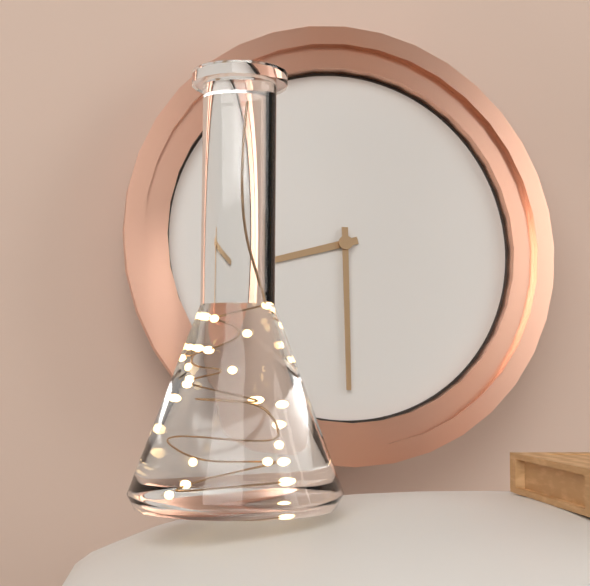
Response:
8.30
